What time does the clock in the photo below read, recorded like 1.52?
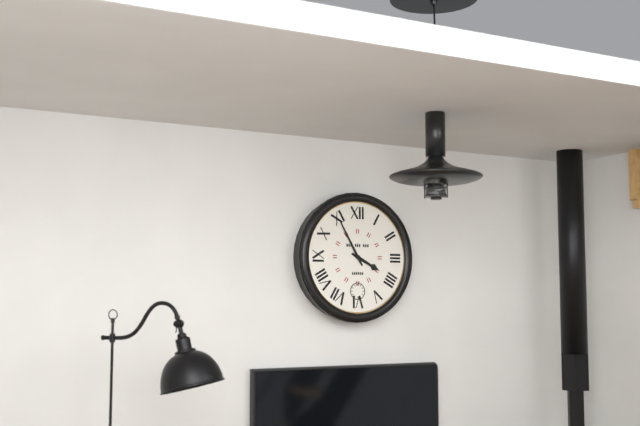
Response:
3.55
